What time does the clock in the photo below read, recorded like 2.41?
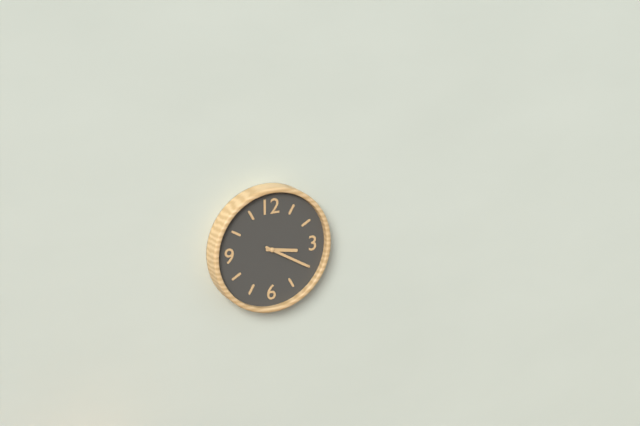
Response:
3.20
